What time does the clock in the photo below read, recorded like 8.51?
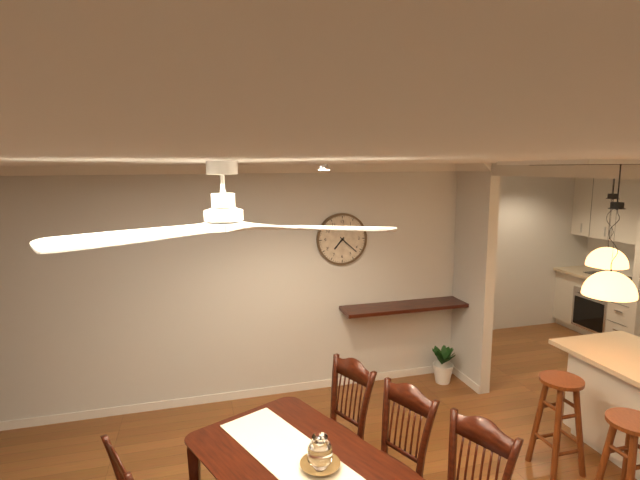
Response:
7.22
